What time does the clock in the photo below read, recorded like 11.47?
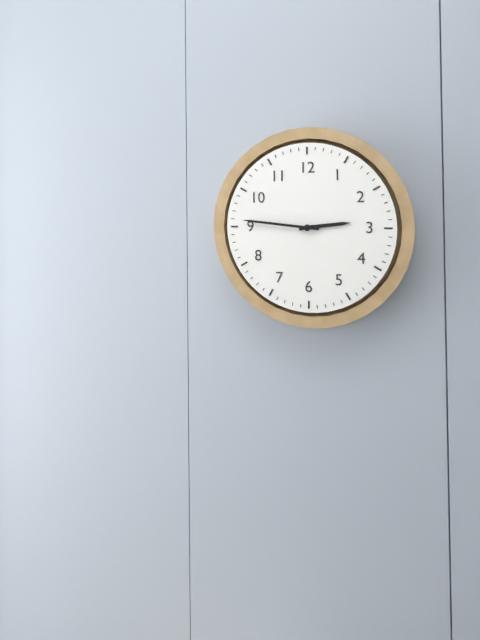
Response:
2.46
